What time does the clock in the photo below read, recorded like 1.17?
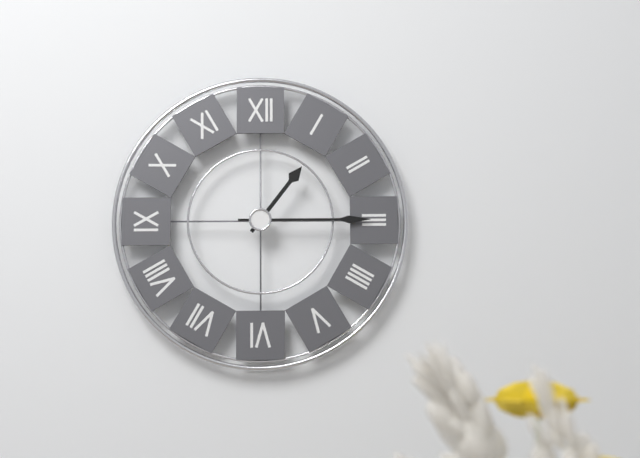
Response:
1.15
